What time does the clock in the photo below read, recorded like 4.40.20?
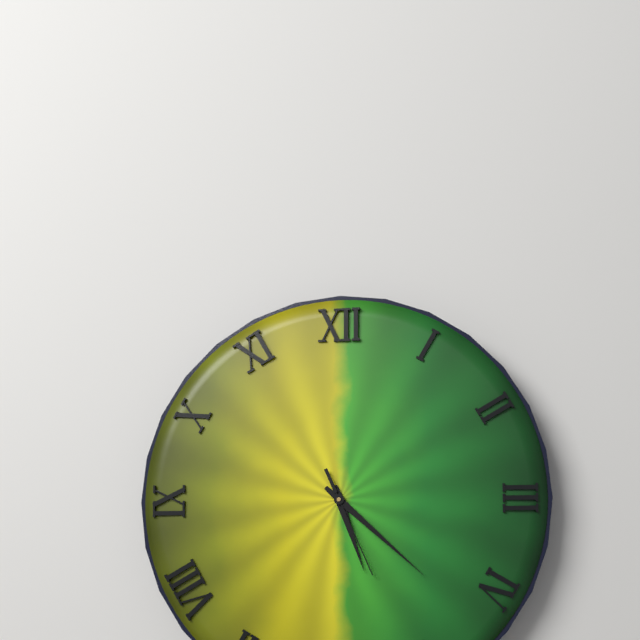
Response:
5.22.26
